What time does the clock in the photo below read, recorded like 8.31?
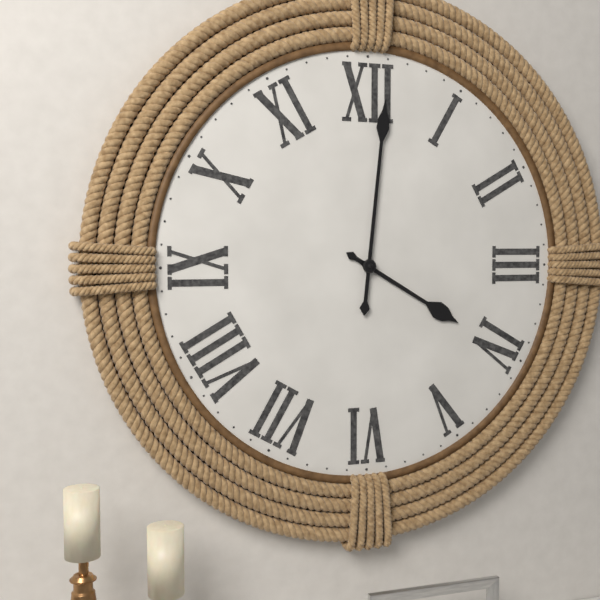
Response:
4.01
